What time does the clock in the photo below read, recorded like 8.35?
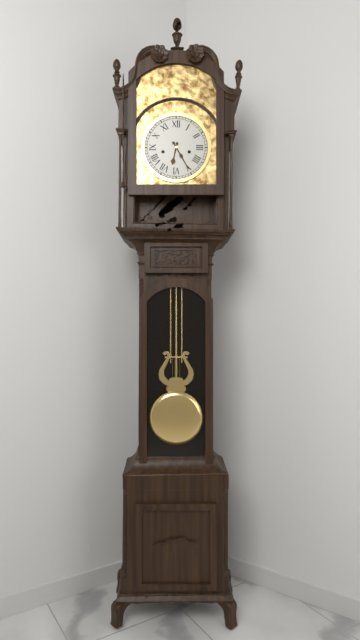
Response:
6.25
